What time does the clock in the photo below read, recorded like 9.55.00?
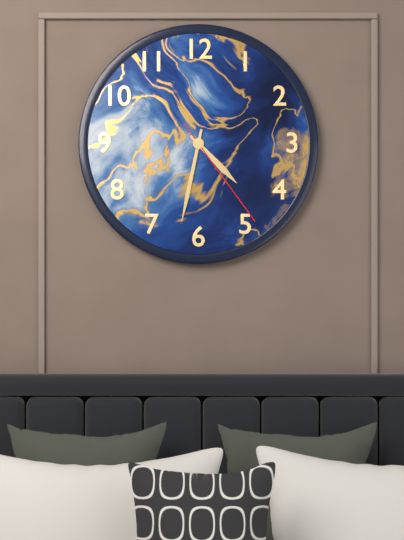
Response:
4.32.24
